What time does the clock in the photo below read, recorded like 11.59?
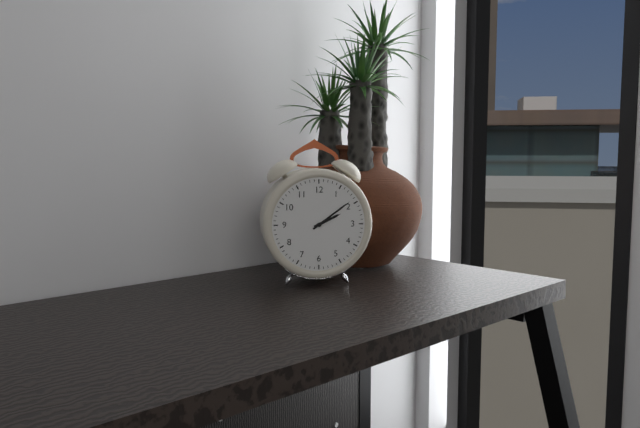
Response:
2.09
